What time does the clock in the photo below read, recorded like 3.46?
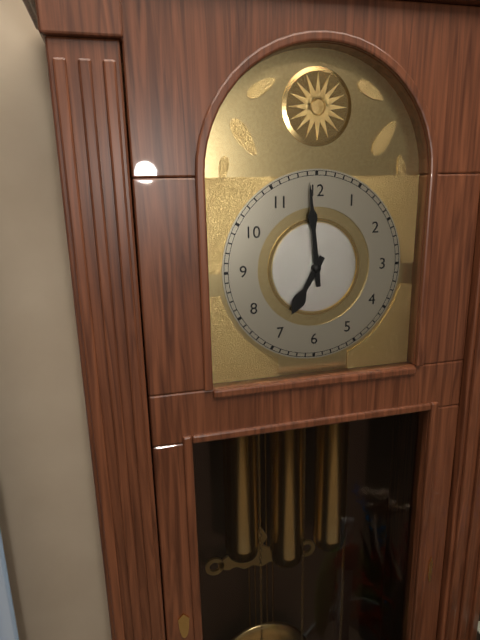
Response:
6.59
